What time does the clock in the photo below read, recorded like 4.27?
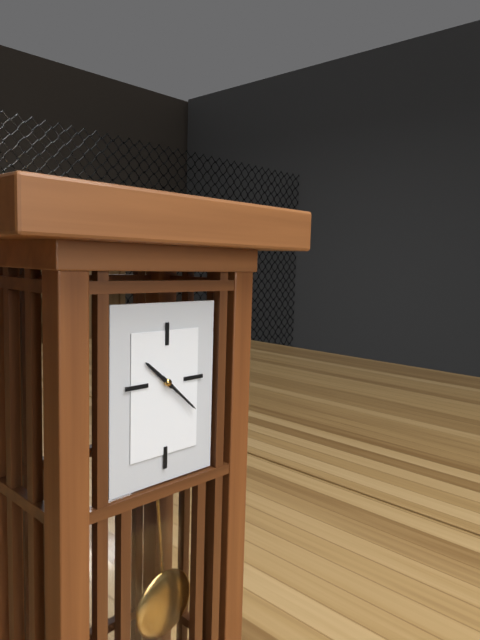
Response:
10.22
